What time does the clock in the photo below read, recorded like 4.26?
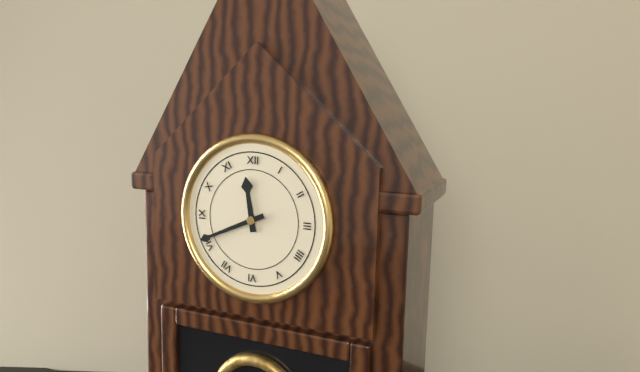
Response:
11.41
